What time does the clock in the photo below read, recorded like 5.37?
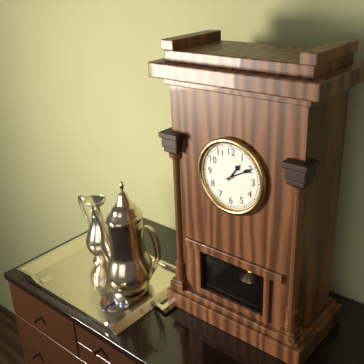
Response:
1.10
